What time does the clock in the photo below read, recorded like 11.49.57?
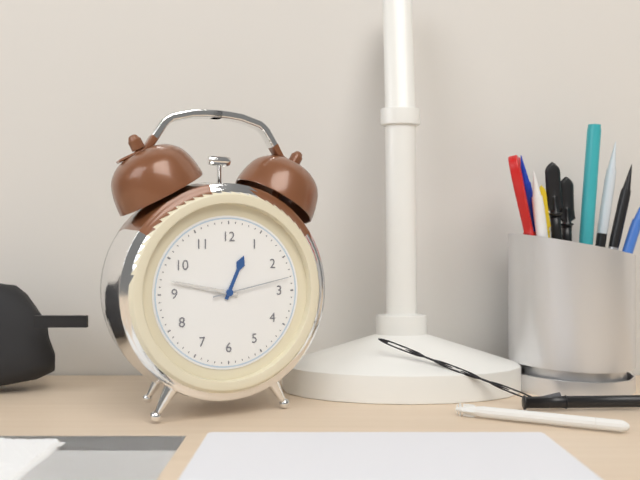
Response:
12.47.13
